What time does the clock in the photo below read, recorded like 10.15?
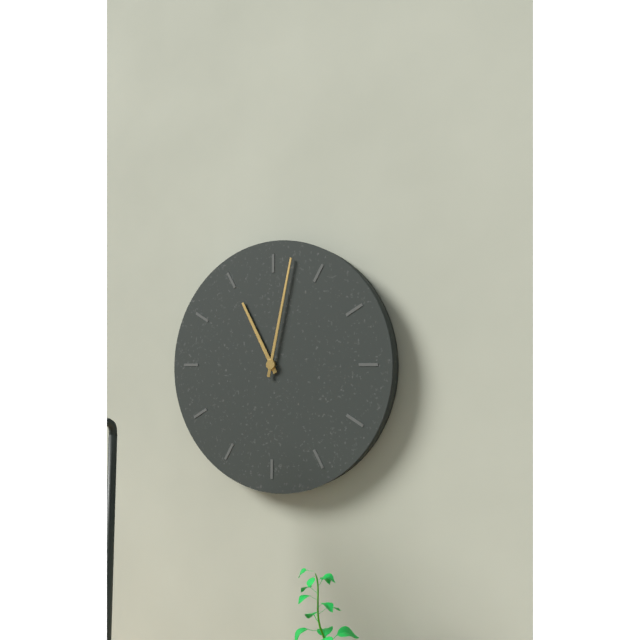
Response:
11.02
